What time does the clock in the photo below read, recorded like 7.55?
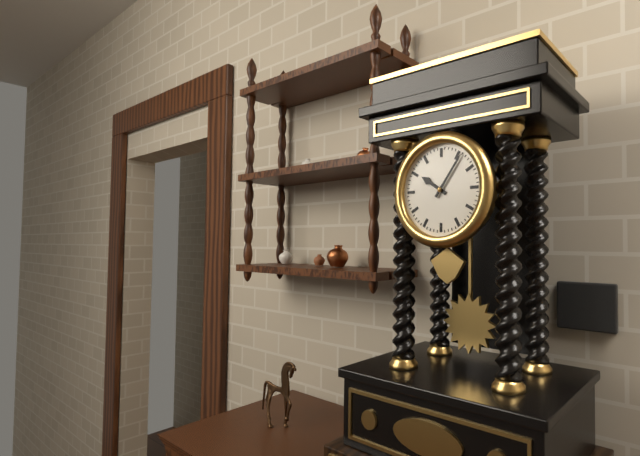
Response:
10.06
